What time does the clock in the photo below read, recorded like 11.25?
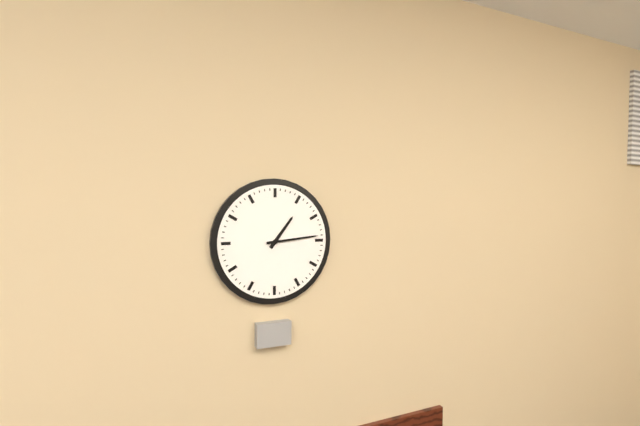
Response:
1.14
